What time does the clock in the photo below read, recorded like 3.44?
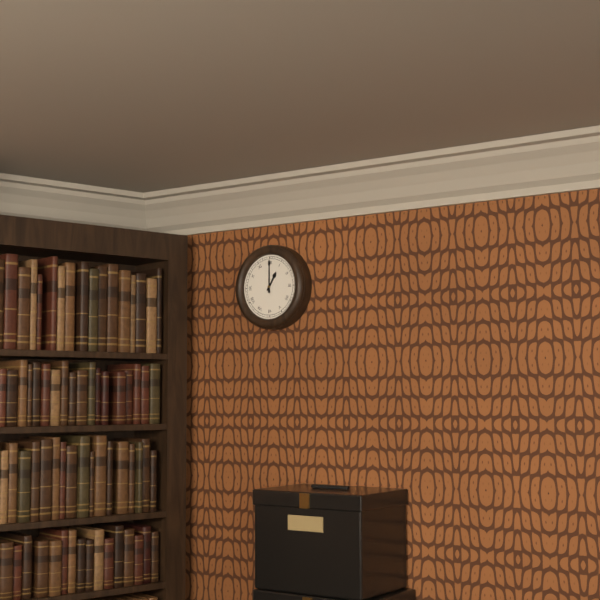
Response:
1.00
